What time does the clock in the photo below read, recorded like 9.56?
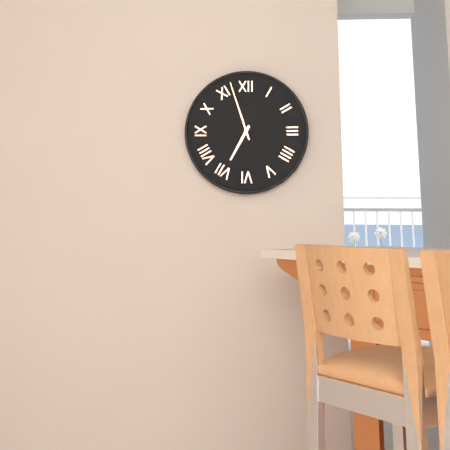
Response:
6.57
